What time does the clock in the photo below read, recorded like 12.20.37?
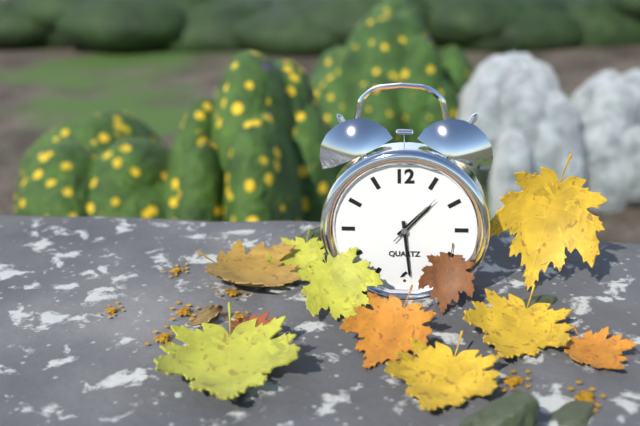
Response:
1.29.07
